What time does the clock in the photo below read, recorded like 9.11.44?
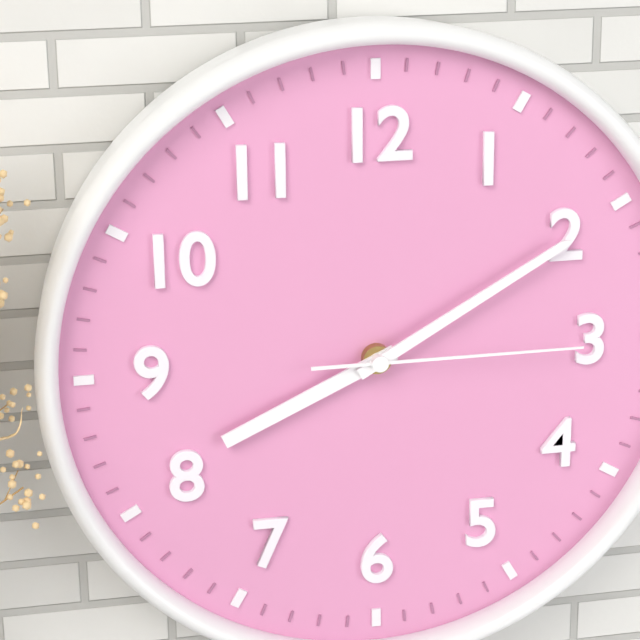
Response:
8.10.15
